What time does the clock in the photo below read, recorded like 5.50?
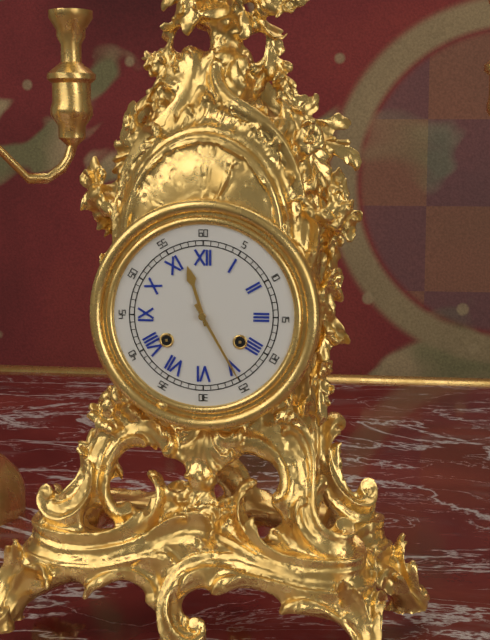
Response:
11.25
